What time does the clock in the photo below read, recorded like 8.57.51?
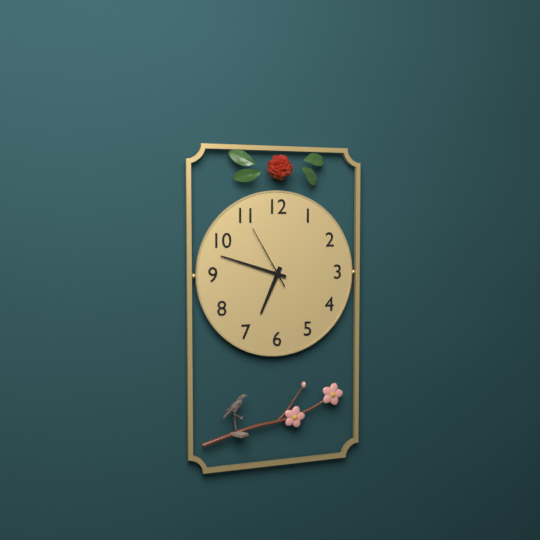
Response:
6.48.55
